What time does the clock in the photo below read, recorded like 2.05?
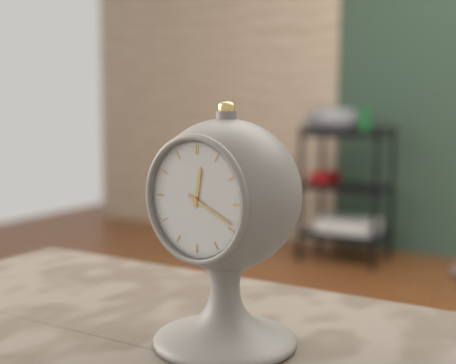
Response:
12.19
